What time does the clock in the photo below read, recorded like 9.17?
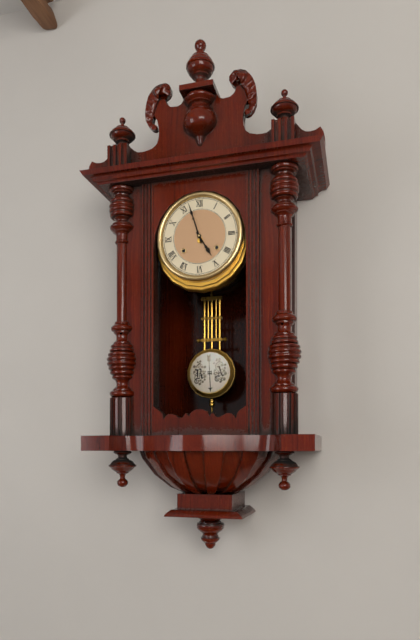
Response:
4.57
